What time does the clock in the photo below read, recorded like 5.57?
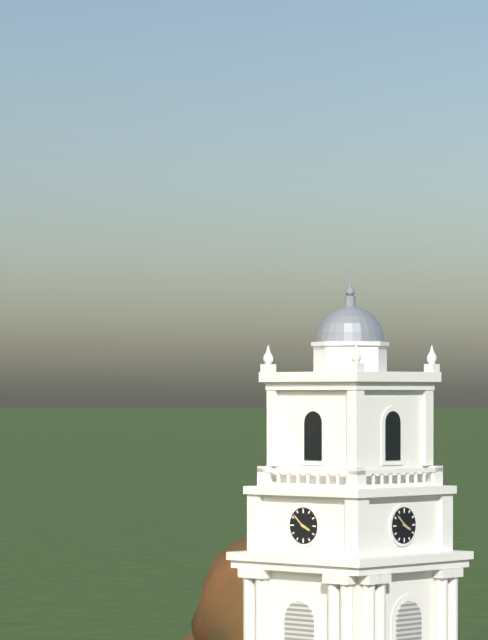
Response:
3.52
